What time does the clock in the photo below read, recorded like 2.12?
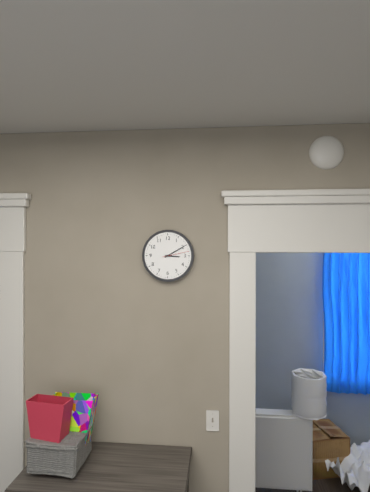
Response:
3.10
